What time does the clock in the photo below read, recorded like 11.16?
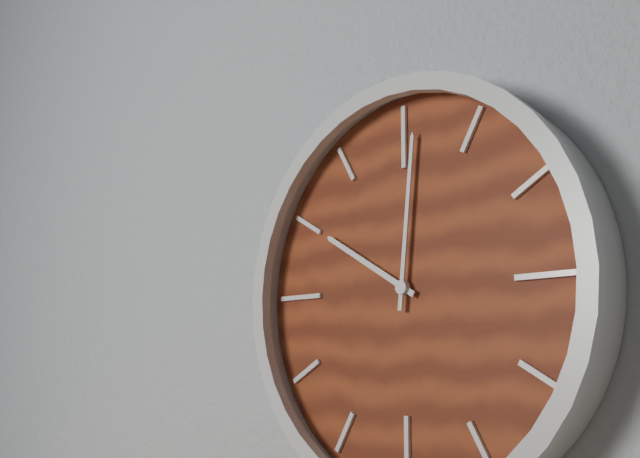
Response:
10.01
